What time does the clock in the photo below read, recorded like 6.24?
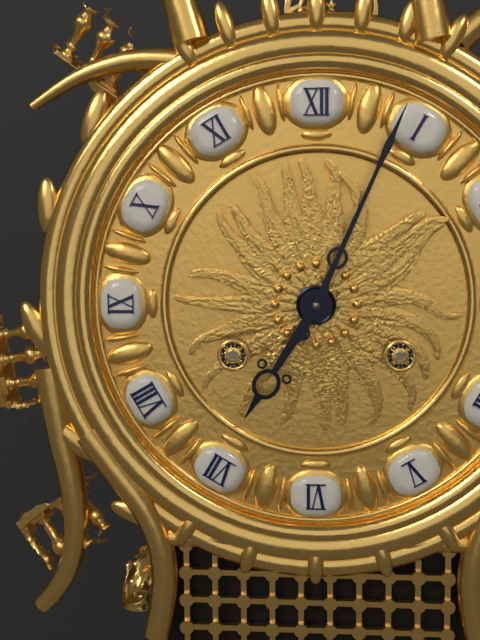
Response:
7.04
